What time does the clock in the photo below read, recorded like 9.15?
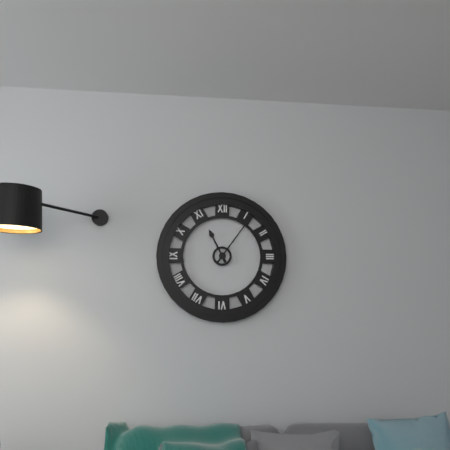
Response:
11.06
